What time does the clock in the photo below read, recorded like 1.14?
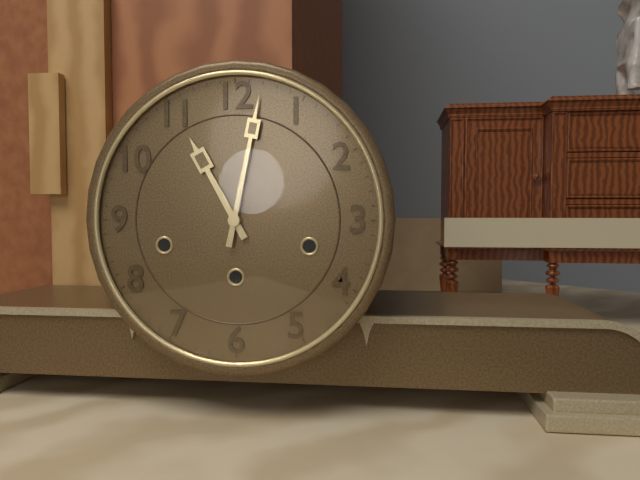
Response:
11.02
